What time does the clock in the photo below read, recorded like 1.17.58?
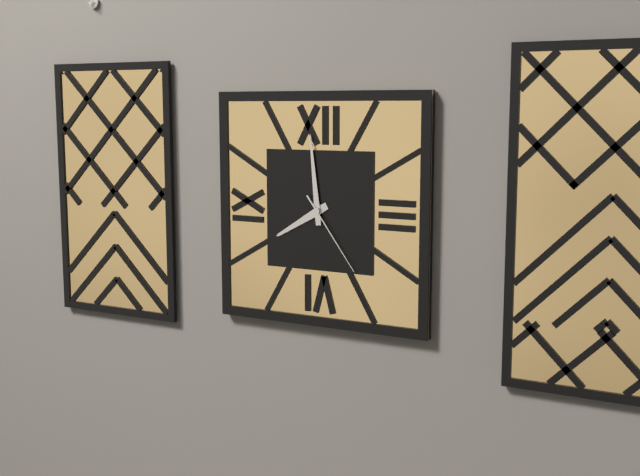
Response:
7.59.24
